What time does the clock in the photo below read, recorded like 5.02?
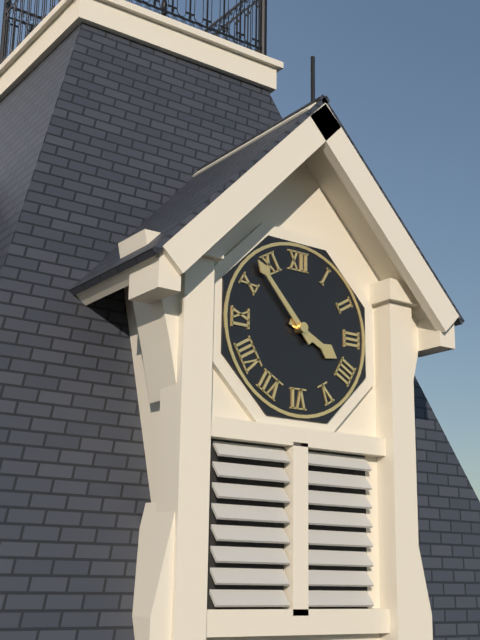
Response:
3.53
